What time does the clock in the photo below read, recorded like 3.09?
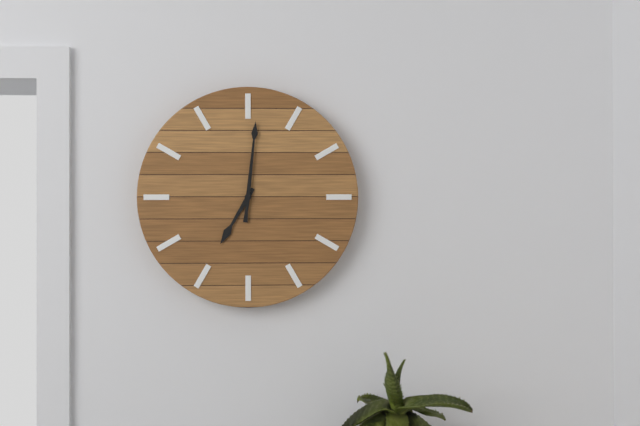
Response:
7.01
